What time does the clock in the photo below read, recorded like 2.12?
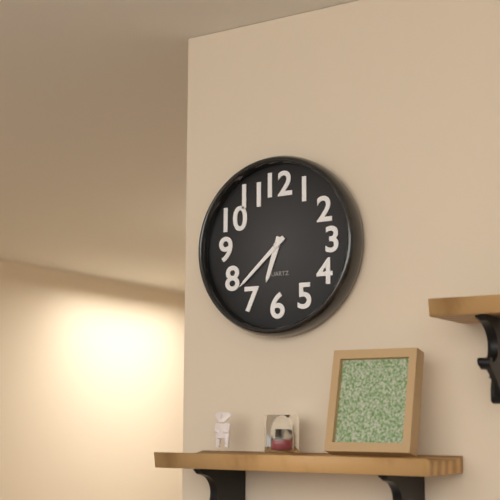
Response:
6.38
